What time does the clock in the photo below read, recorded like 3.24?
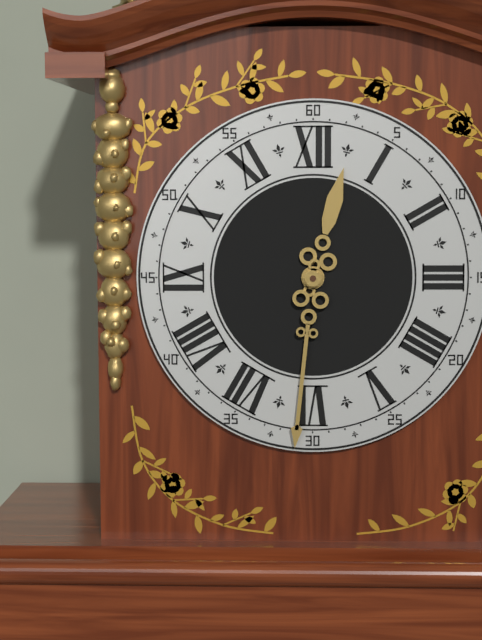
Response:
12.31
